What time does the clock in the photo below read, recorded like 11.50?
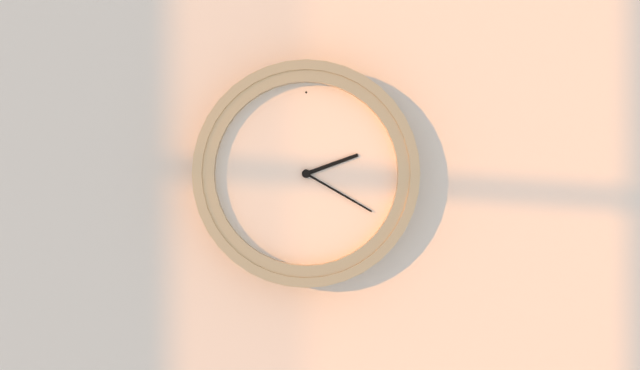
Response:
2.20
